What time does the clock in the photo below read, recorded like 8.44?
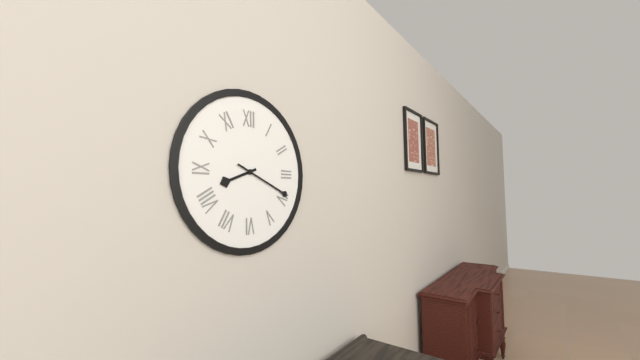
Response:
8.19
